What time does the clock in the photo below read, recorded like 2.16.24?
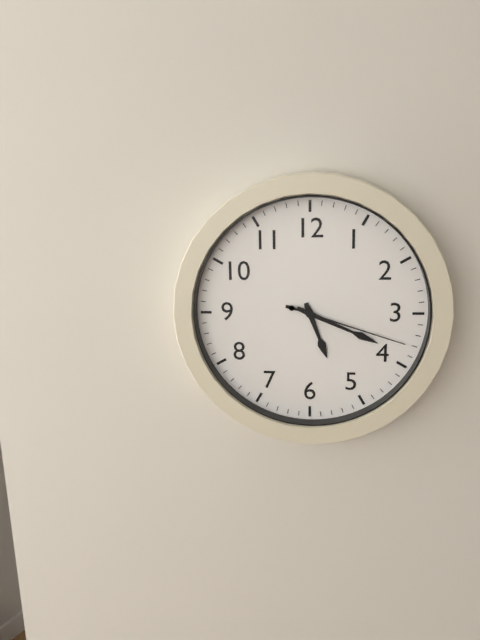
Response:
5.19.18
